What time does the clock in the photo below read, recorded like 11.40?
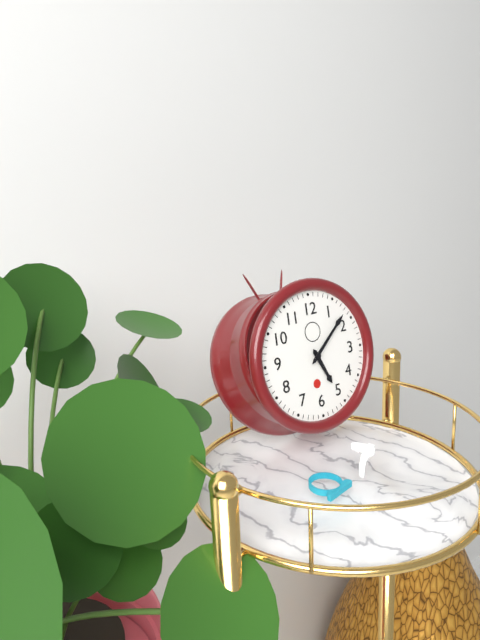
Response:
5.08
